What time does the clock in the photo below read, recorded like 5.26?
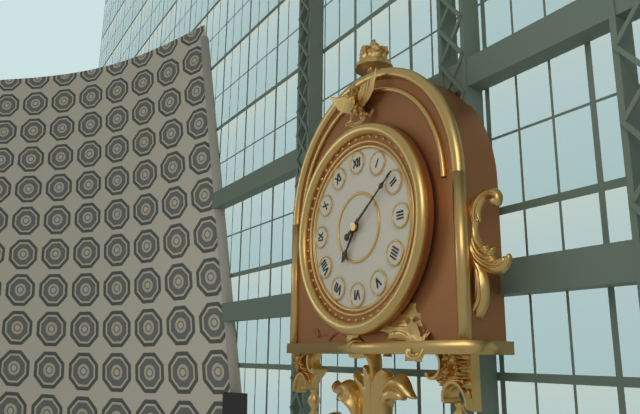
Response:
7.09
